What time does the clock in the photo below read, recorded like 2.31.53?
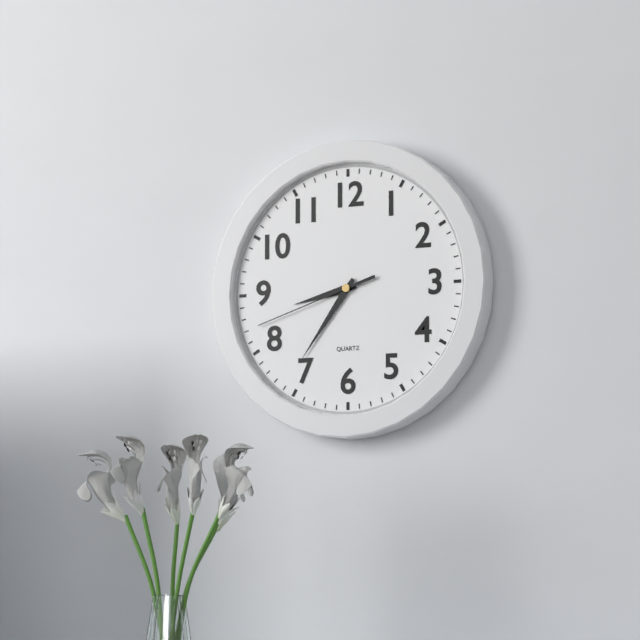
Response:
8.36.42
